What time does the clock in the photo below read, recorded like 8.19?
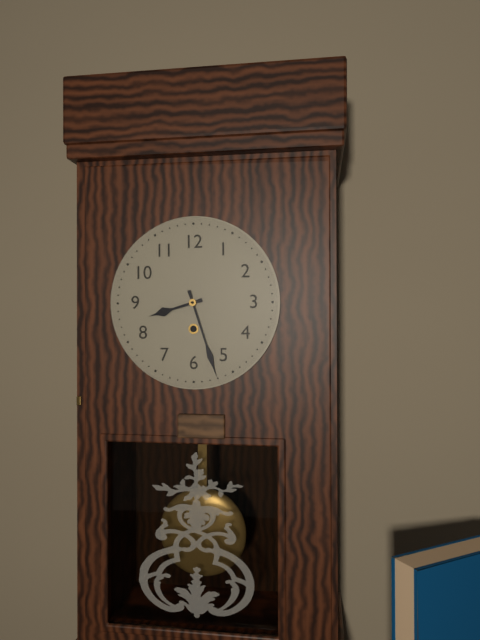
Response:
8.27
